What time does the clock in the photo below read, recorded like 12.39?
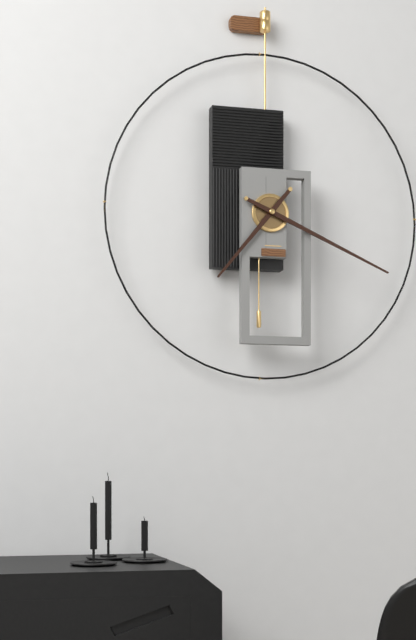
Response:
7.19
